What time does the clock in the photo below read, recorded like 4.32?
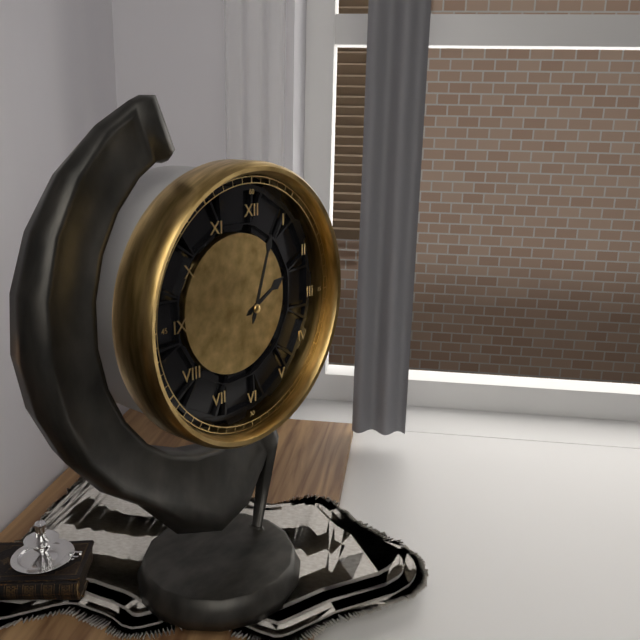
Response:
2.03
